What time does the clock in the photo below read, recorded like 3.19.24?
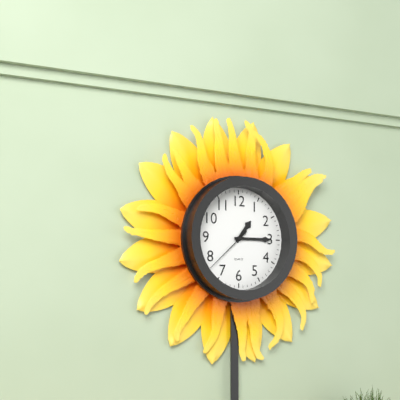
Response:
1.15.38
